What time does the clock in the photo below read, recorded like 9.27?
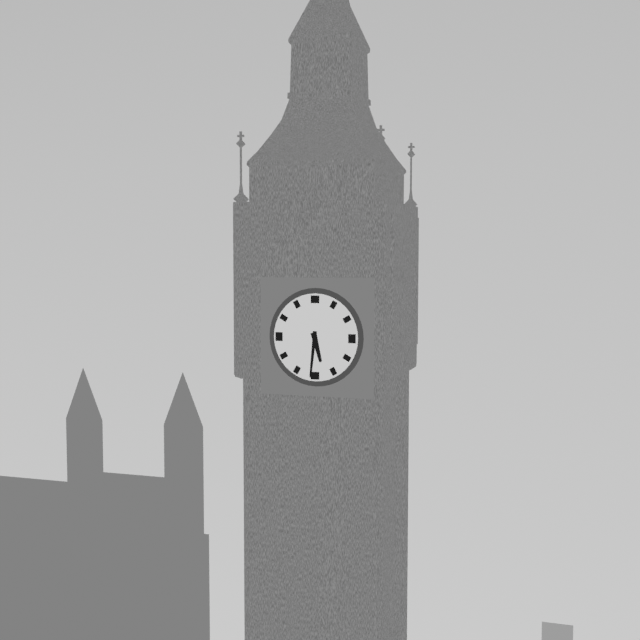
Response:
5.31
